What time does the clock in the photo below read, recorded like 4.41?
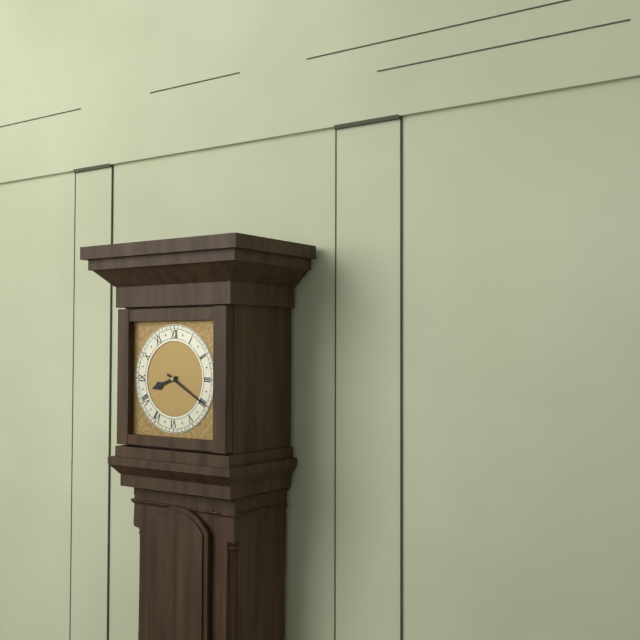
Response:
8.20
